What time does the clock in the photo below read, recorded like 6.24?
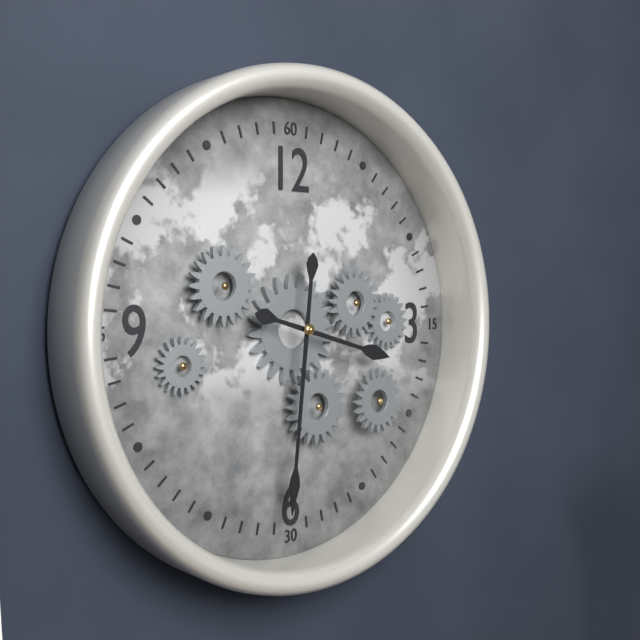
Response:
3.31
